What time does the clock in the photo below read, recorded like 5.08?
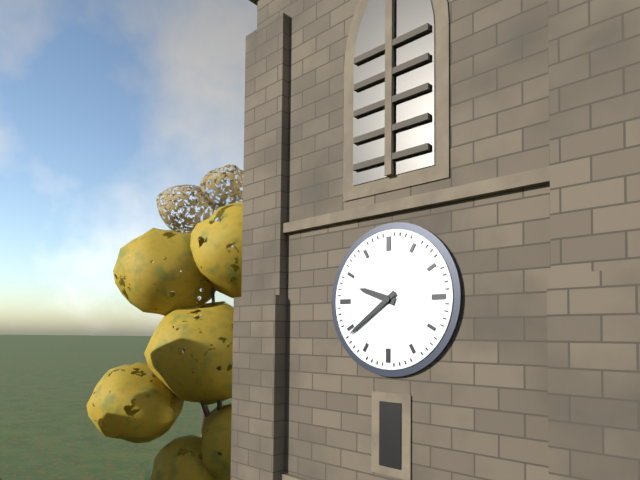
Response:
9.39
